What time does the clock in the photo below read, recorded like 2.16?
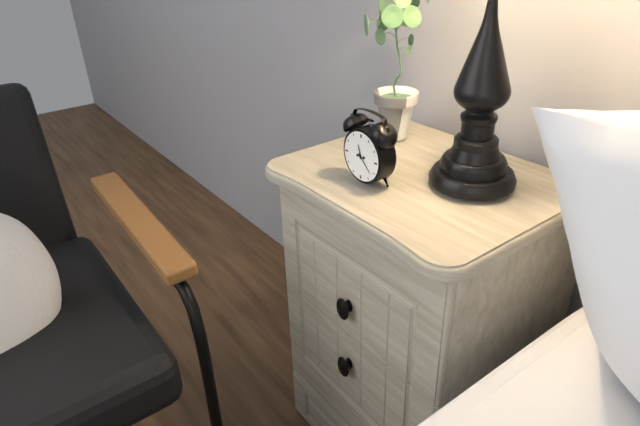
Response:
11.22
